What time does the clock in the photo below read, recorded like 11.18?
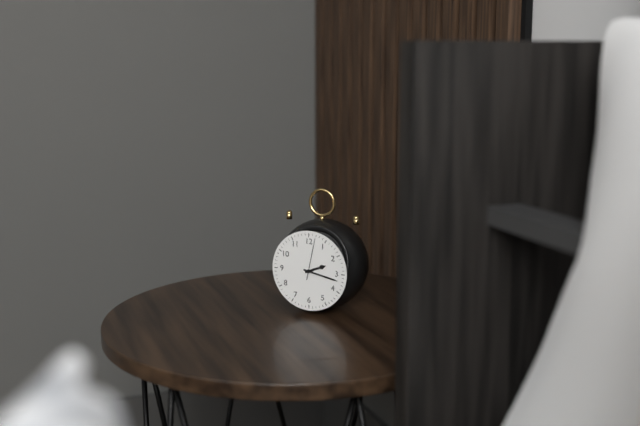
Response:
2.17
